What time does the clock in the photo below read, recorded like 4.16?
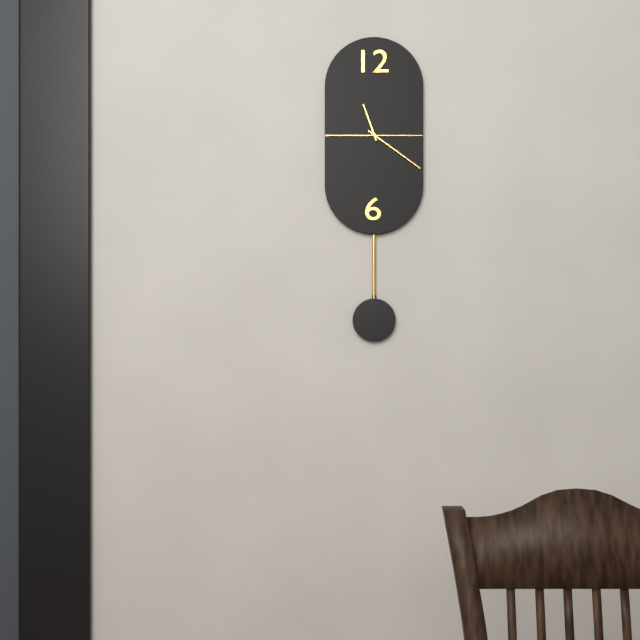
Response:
11.21
